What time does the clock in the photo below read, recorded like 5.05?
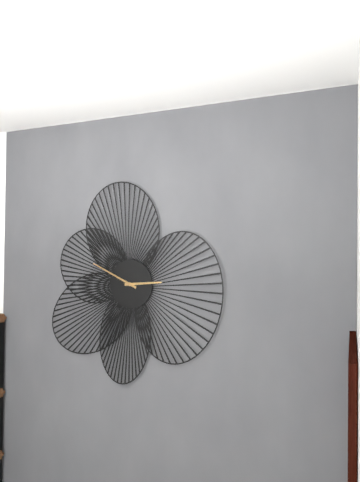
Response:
2.49
